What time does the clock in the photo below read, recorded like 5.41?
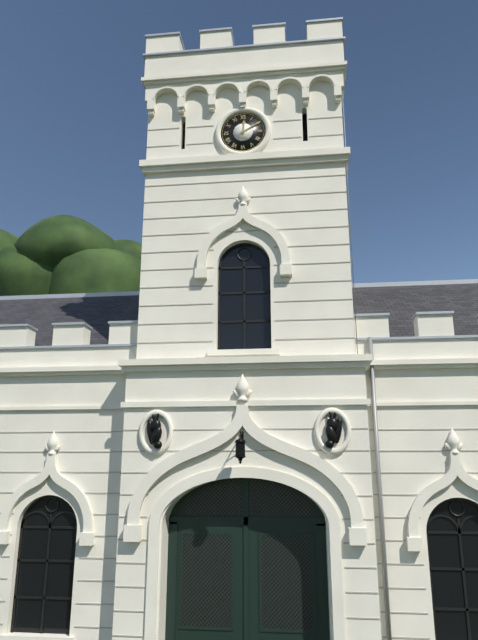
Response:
12.10
